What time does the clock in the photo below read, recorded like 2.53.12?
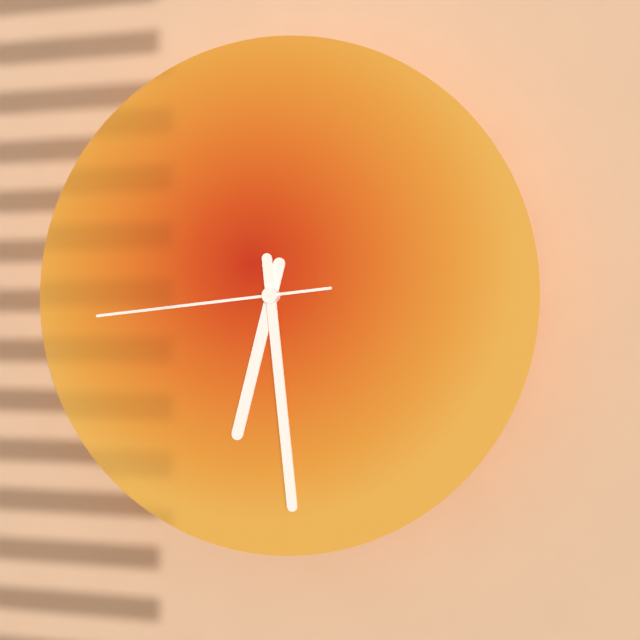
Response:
6.29.44
